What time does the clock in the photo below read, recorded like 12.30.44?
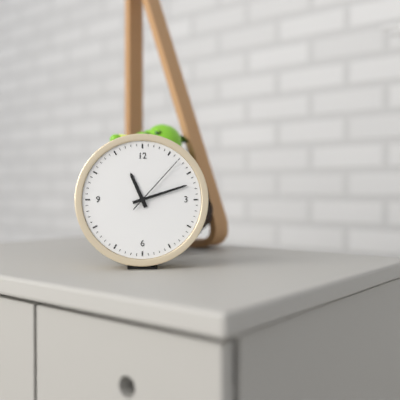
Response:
11.12.07
